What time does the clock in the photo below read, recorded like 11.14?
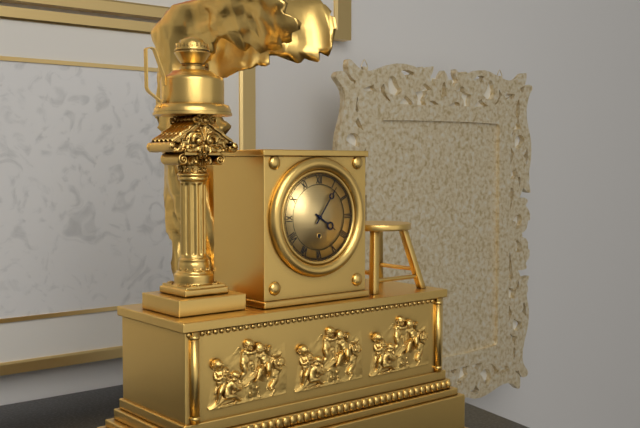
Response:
4.06
